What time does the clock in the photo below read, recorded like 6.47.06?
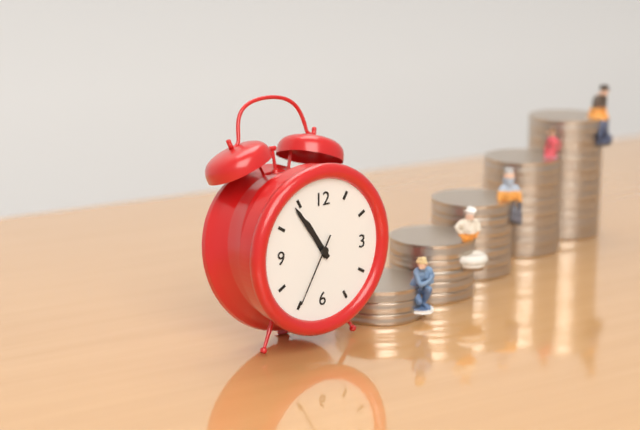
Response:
10.54.35
